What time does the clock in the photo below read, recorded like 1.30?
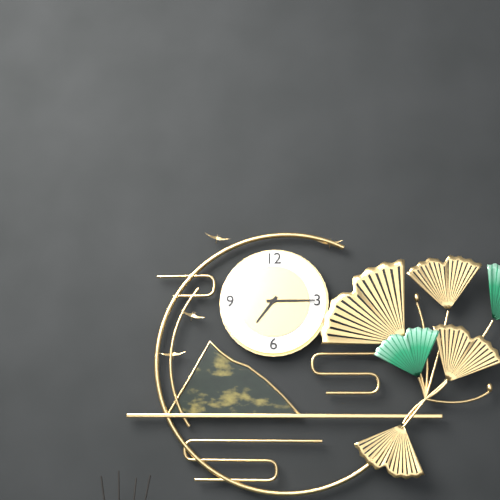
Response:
7.15
